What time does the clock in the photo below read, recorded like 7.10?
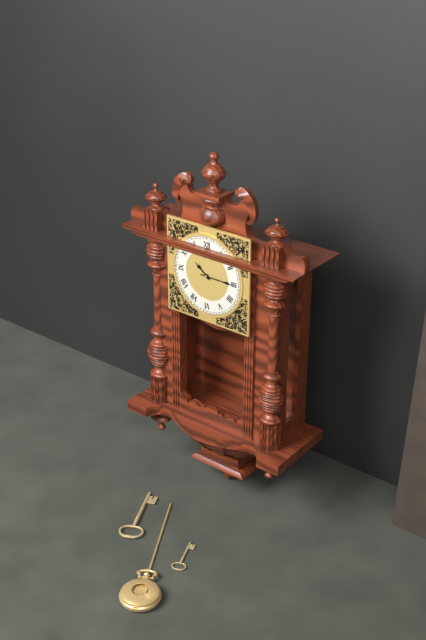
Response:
10.15
